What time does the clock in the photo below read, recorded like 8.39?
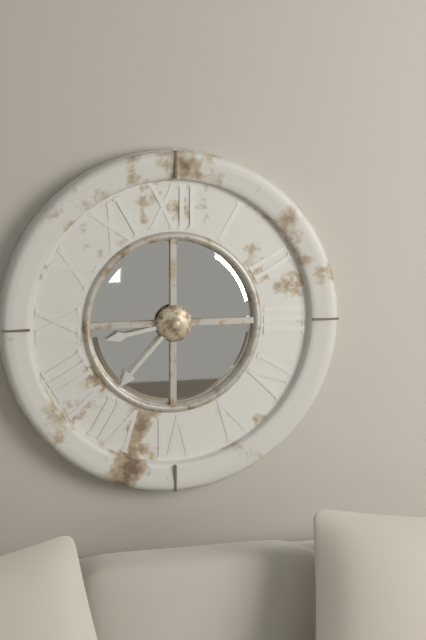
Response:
8.37
